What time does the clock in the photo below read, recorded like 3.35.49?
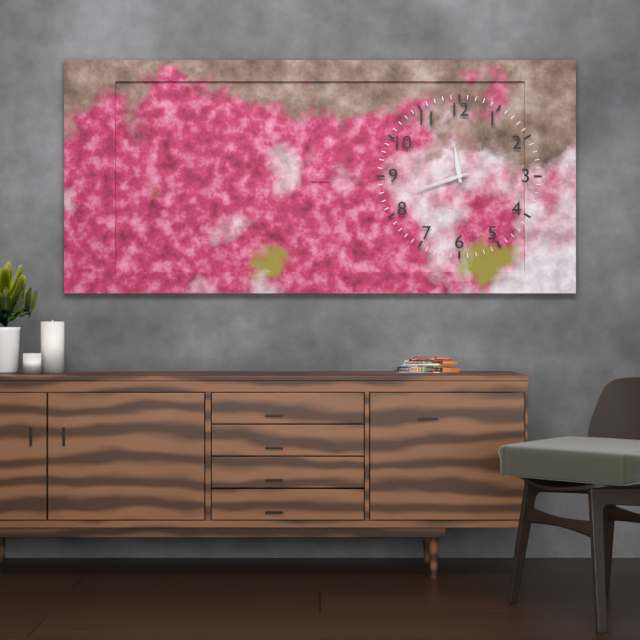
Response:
11.42.42
